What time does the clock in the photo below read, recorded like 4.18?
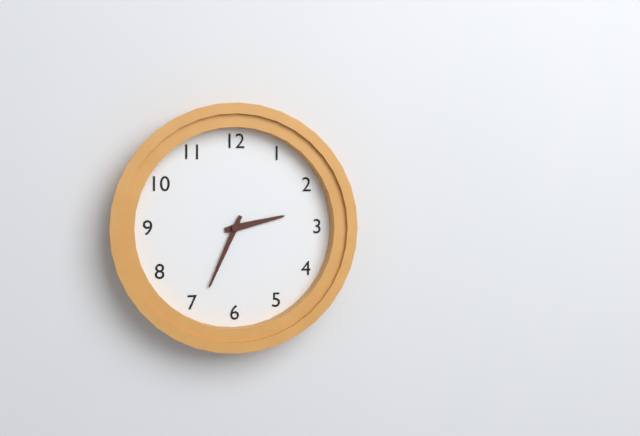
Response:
2.34
